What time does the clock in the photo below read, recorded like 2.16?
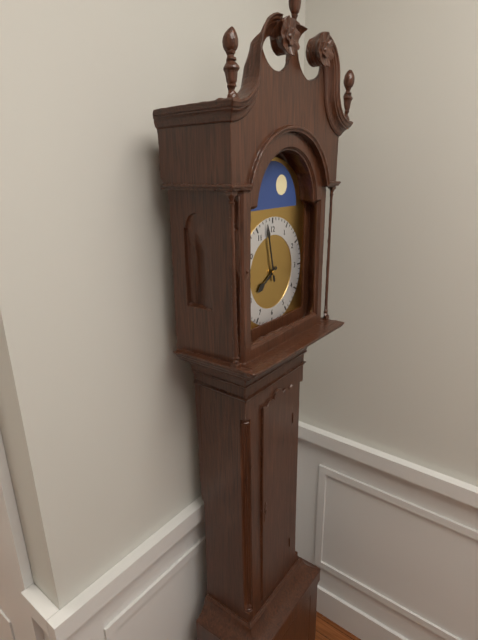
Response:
7.58
